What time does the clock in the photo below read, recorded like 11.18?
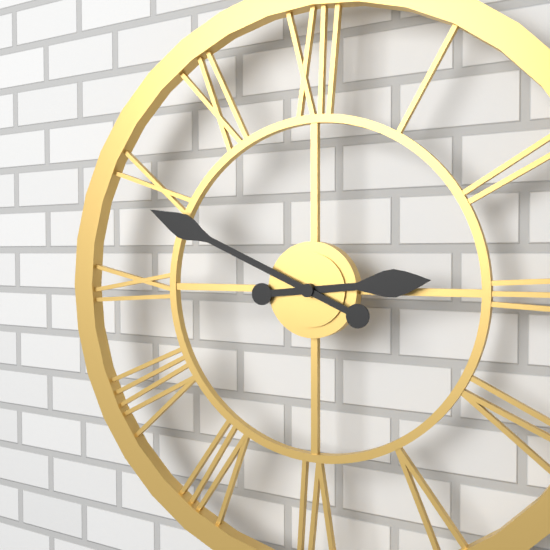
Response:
2.49
